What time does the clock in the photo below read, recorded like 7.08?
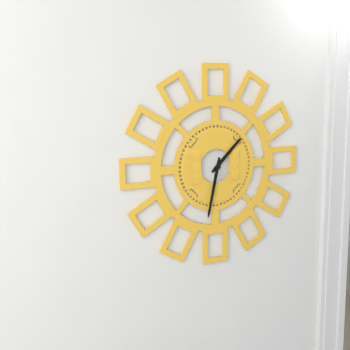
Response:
1.32
